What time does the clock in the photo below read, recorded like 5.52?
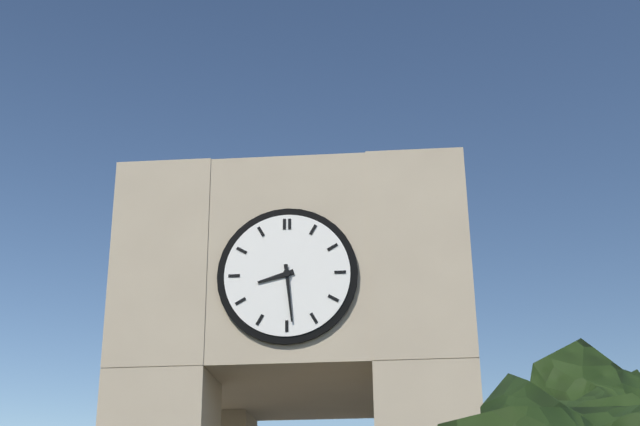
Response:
8.29
